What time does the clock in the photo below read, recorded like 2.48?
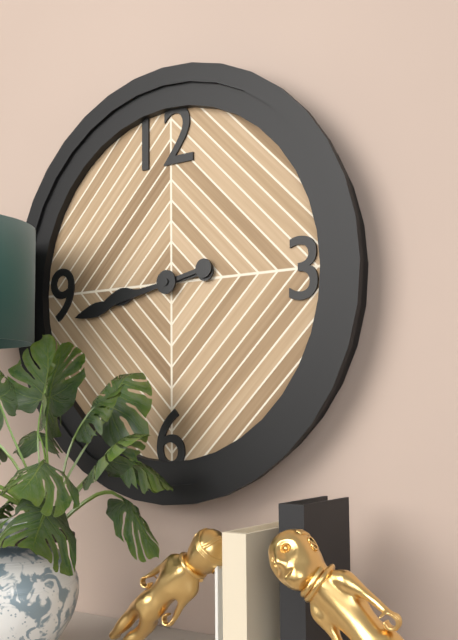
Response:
8.43
